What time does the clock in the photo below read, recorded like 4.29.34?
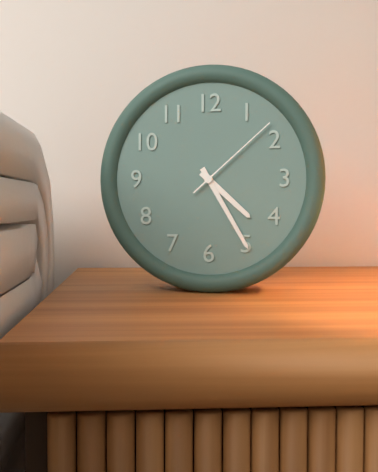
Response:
4.25.08
